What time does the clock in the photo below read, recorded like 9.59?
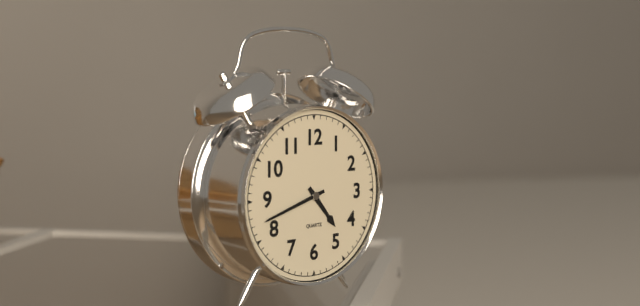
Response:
4.42
